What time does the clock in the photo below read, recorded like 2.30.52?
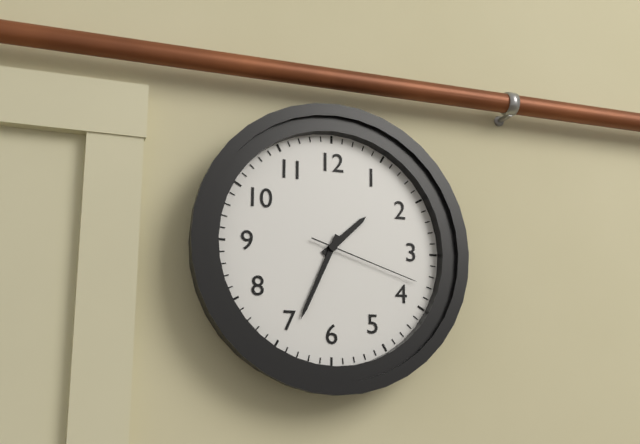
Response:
1.34.18
